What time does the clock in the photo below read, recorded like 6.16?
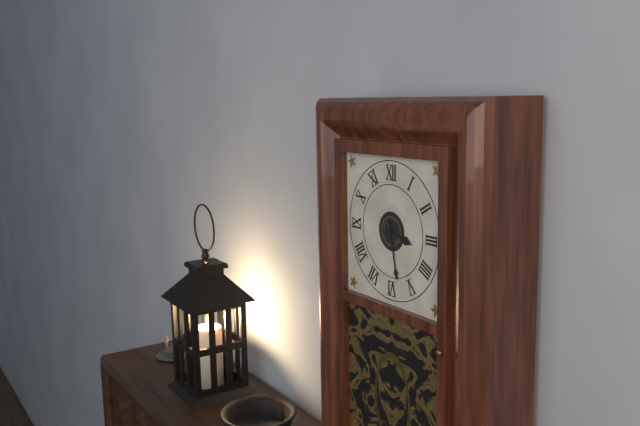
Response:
3.28
